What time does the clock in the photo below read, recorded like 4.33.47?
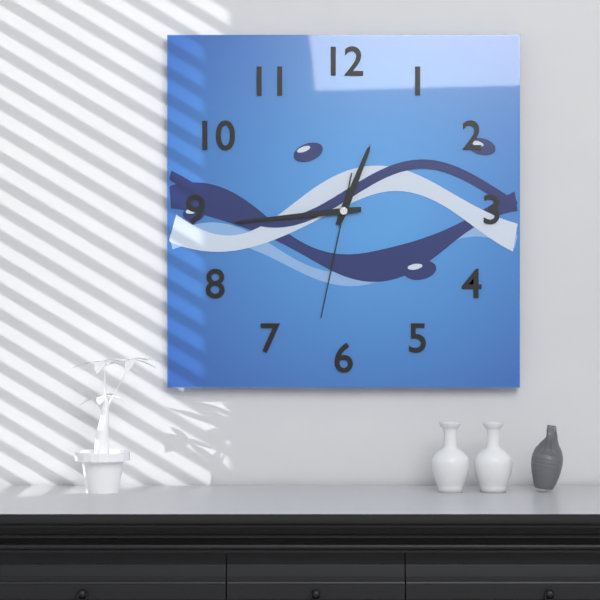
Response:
12.44.32
